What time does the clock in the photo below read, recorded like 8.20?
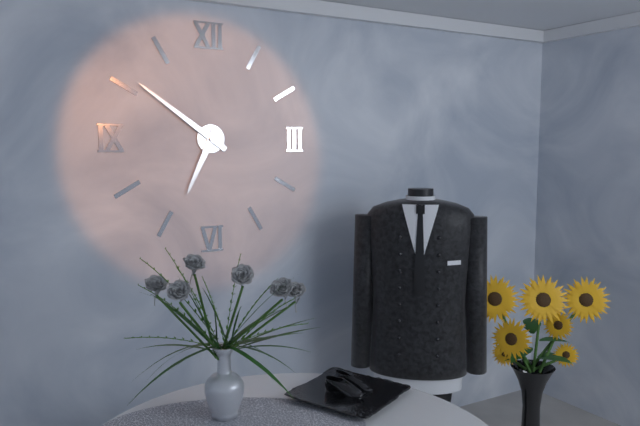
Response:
6.51
